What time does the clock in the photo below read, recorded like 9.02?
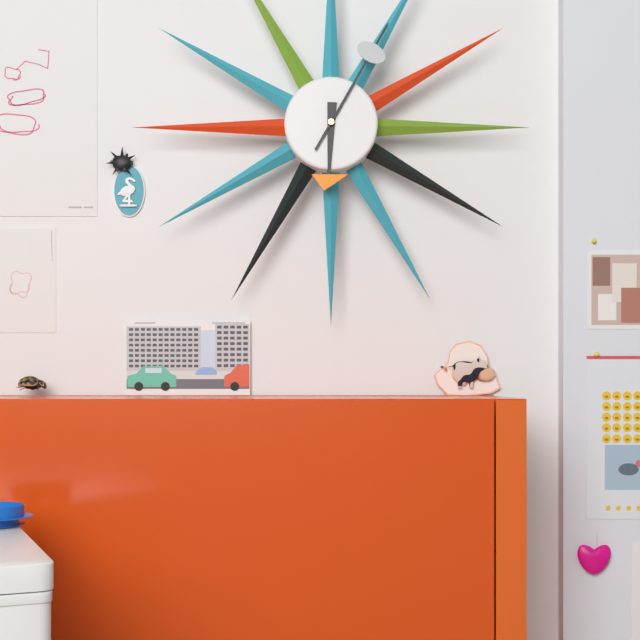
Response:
6.05
